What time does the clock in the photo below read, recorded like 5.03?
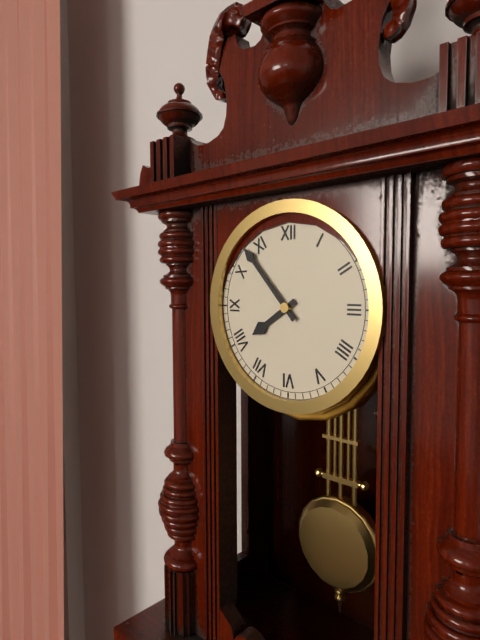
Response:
7.53
